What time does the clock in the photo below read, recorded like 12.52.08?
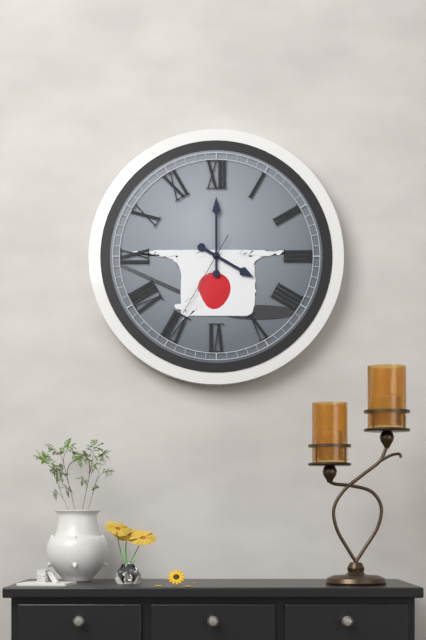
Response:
4.00.35
